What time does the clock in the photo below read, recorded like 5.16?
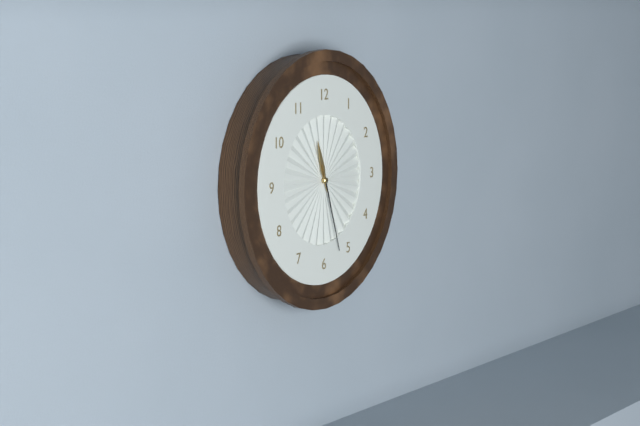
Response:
11.27
